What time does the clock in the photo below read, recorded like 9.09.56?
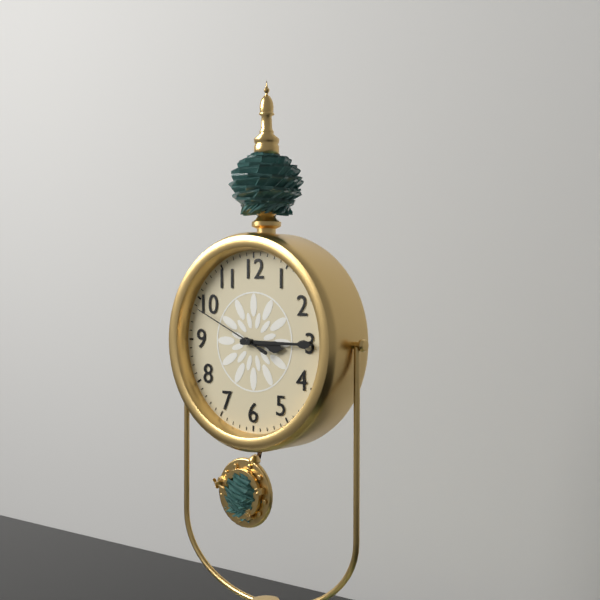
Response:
3.15.49
